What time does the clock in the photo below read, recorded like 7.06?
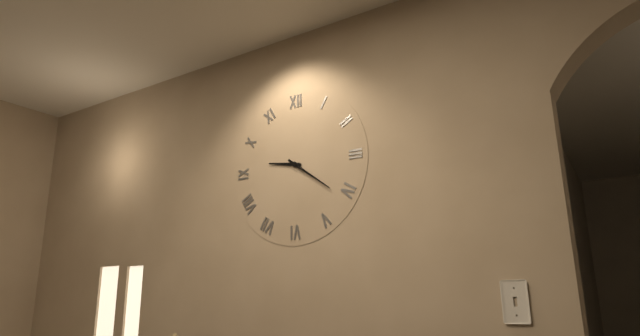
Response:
9.21
